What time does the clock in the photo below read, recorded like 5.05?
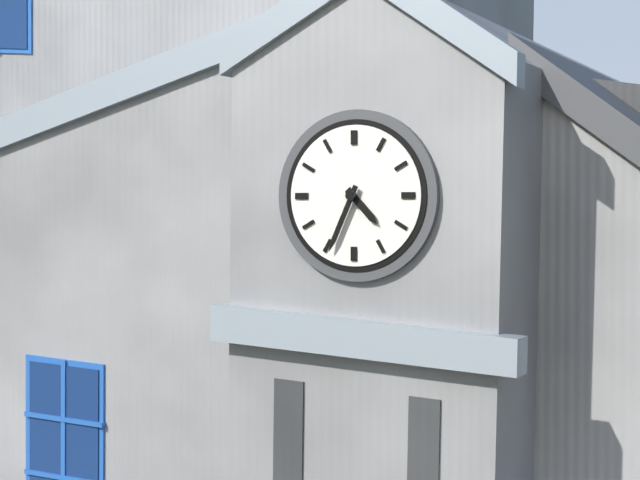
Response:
4.34
